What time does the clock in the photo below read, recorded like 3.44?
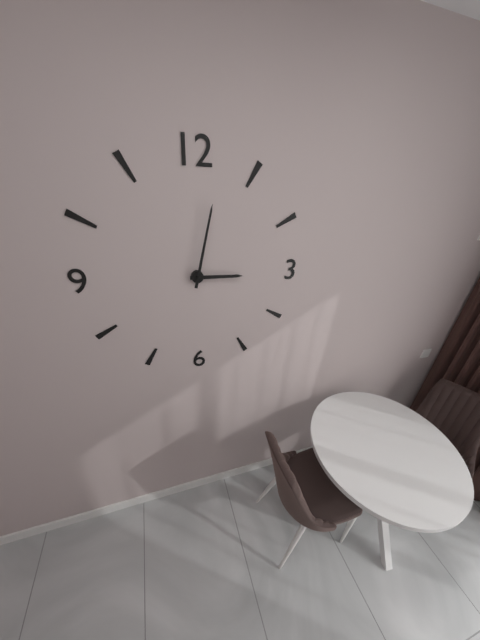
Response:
3.02
